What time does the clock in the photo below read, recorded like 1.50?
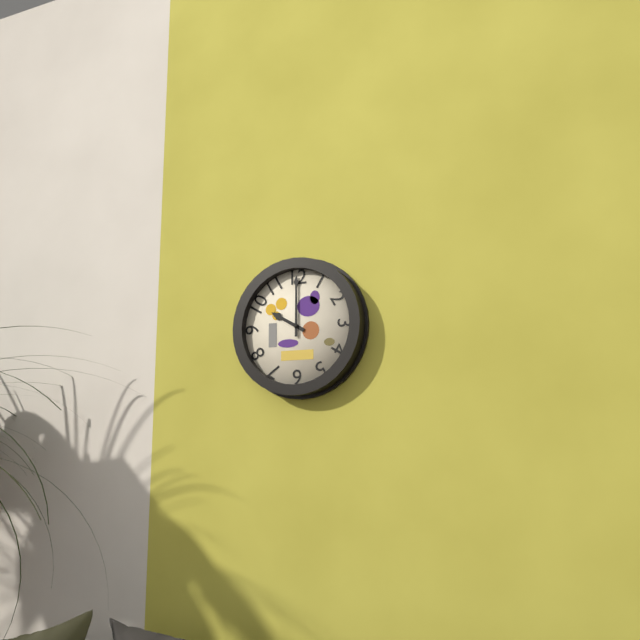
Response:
10.00
